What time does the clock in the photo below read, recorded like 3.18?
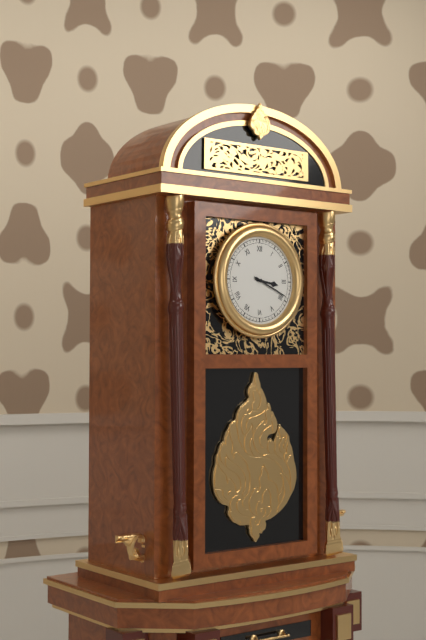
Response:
3.19
